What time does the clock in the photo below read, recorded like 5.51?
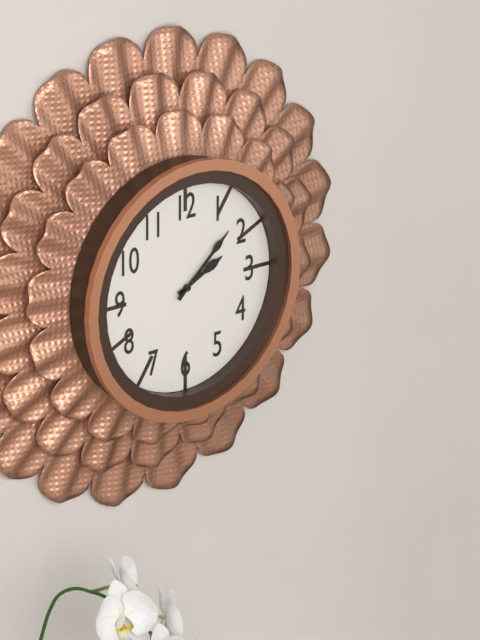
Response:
2.08
